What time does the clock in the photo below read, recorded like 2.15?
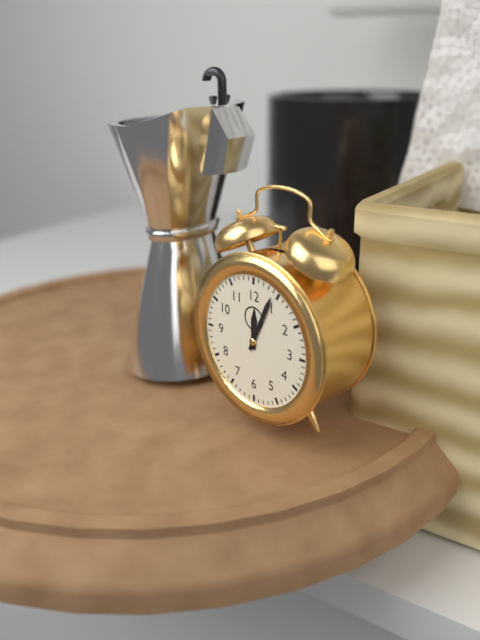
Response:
12.04
